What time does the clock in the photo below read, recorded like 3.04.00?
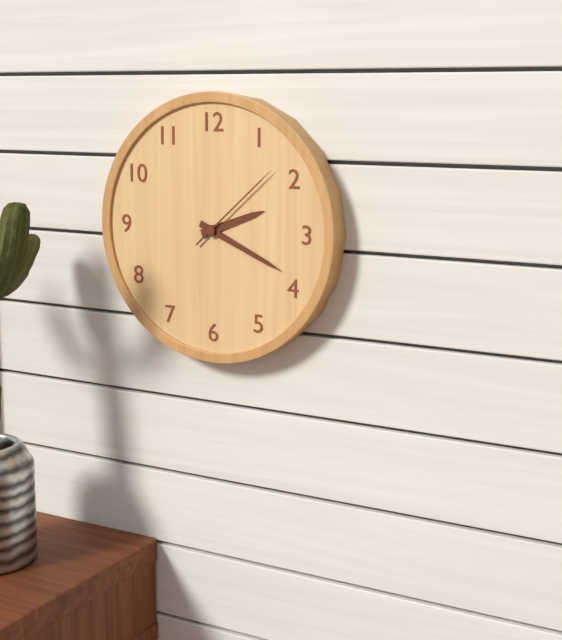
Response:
2.19.08
